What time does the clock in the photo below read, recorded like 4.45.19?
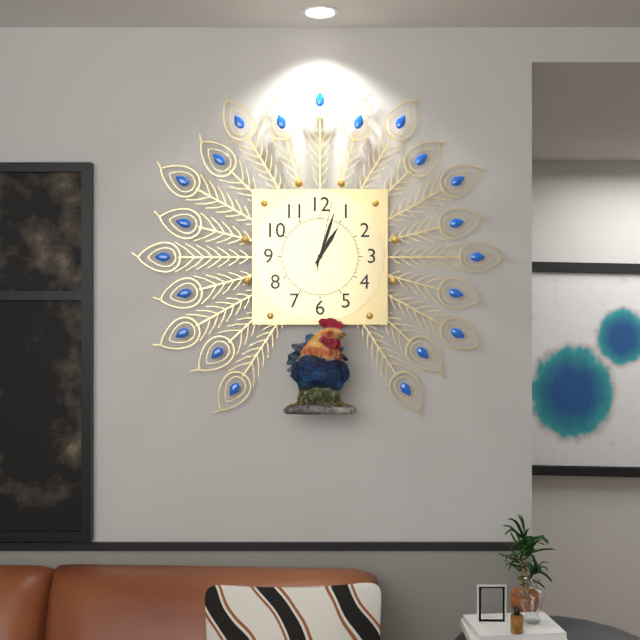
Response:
1.03.02
